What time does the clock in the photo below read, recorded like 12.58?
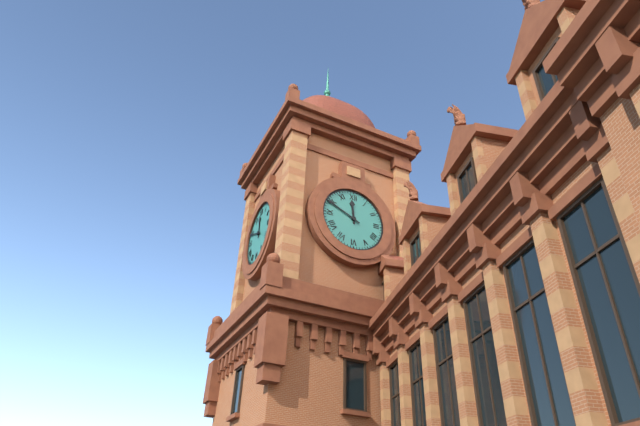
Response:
11.49
